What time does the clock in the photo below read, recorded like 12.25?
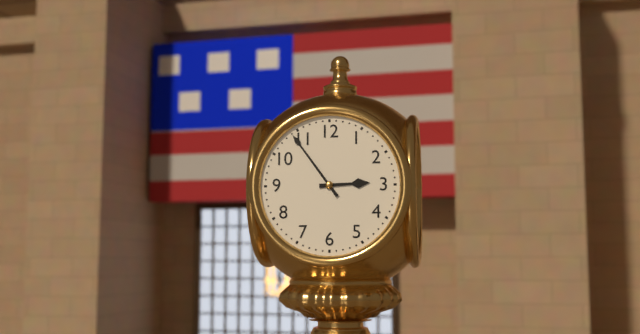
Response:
2.54
